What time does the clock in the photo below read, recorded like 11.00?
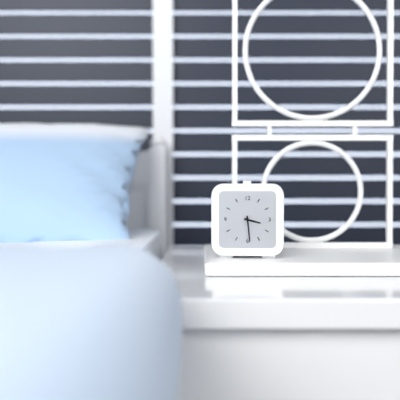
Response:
3.29
